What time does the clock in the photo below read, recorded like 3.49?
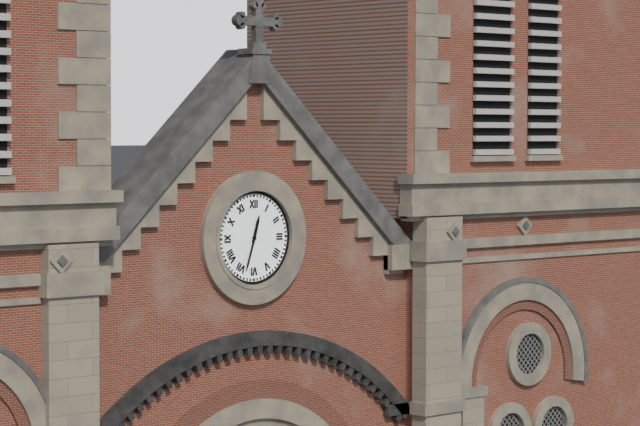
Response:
12.33
